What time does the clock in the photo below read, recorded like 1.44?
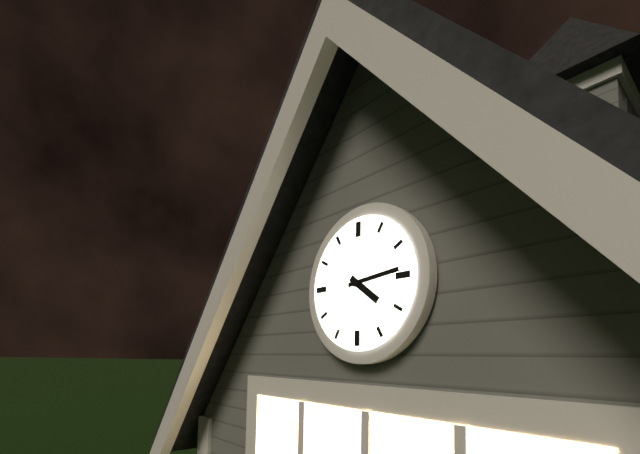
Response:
4.14
